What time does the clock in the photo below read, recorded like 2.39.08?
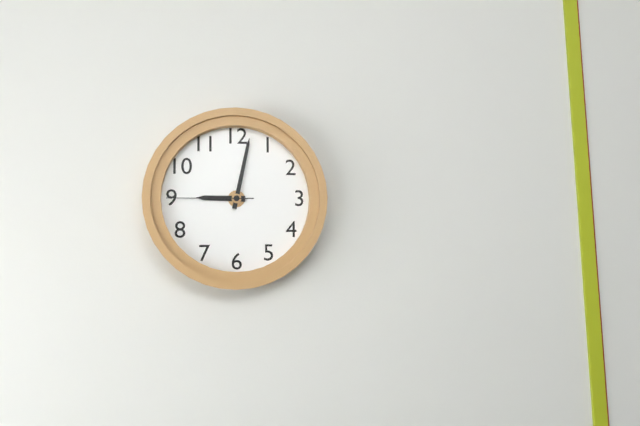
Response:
9.02.45
